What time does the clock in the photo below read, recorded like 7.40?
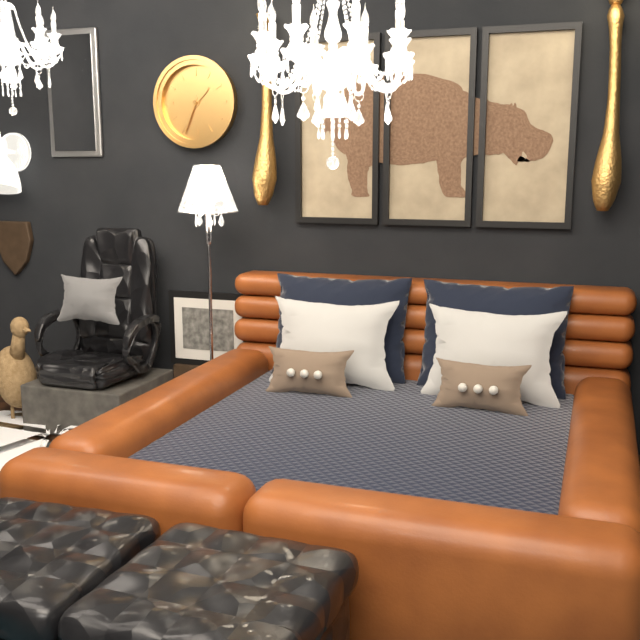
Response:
1.34
